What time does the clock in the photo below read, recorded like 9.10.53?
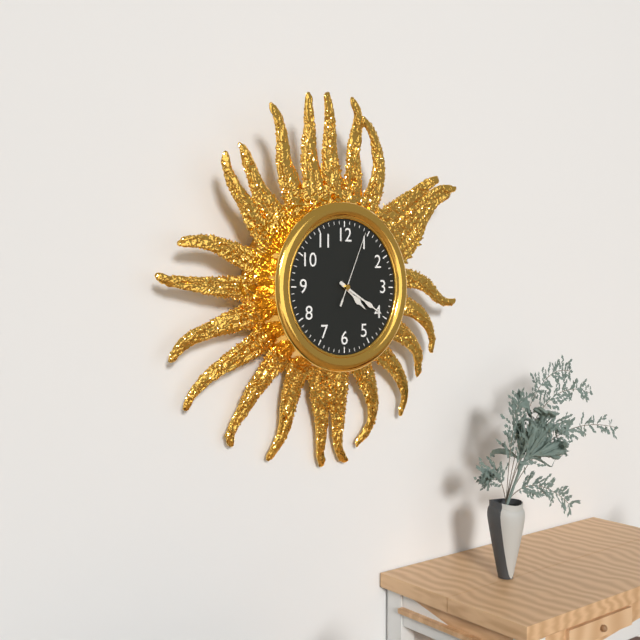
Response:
4.20.04
